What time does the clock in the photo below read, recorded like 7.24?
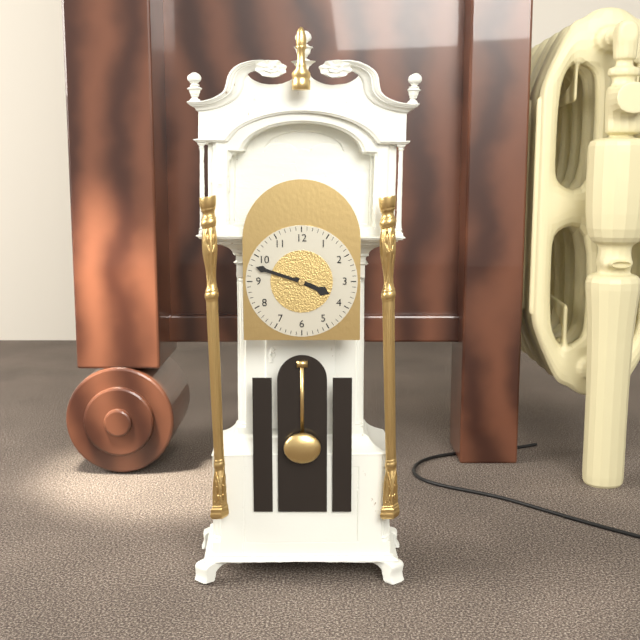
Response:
3.48
